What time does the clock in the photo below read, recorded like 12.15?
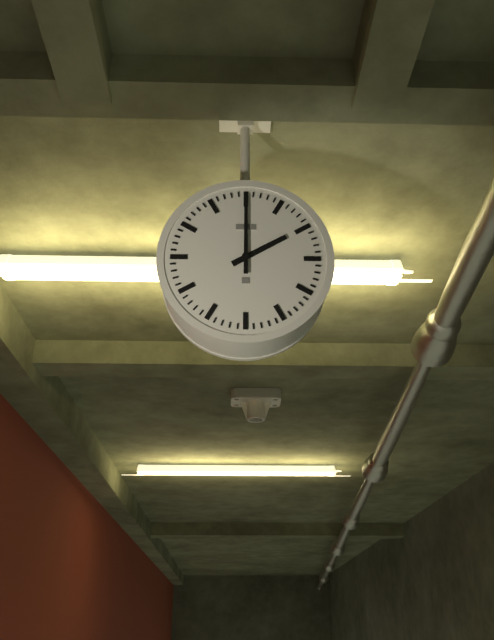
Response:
2.00
